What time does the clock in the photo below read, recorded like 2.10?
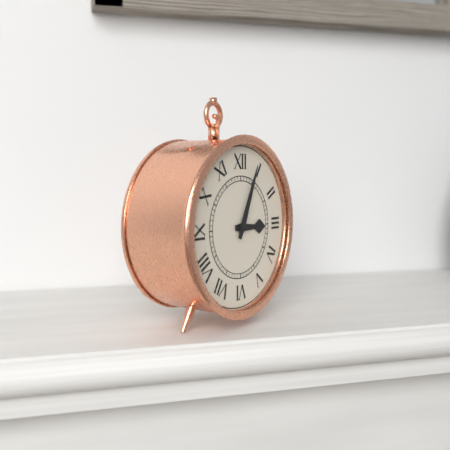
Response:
3.04
